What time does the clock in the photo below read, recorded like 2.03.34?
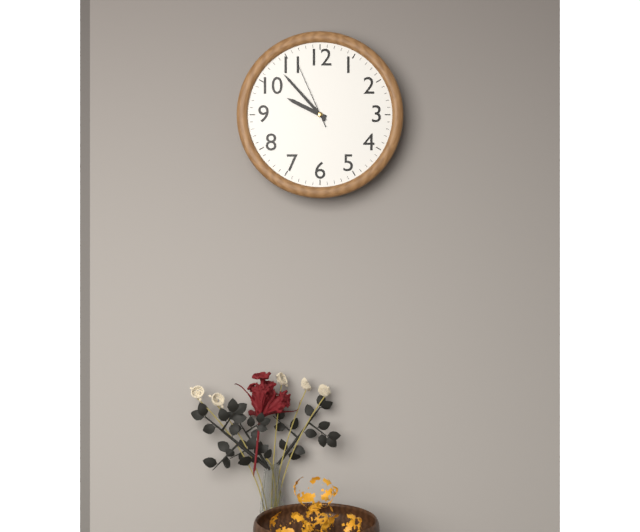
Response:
9.53.56
